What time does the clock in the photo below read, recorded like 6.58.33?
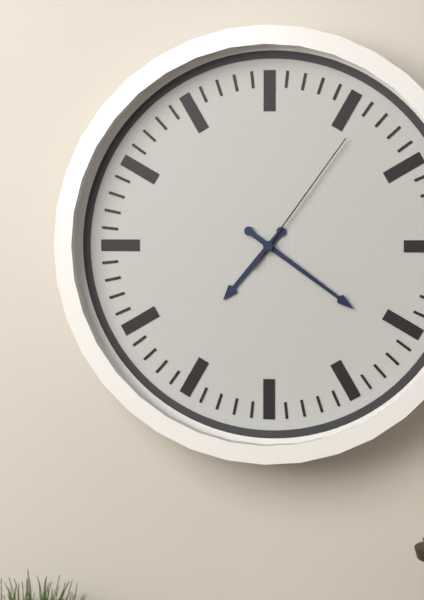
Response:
7.21.06
